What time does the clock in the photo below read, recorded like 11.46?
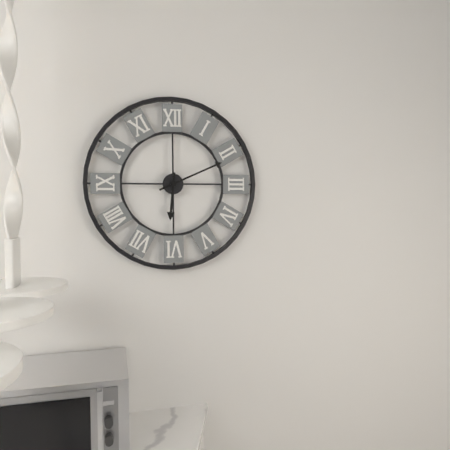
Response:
6.11
